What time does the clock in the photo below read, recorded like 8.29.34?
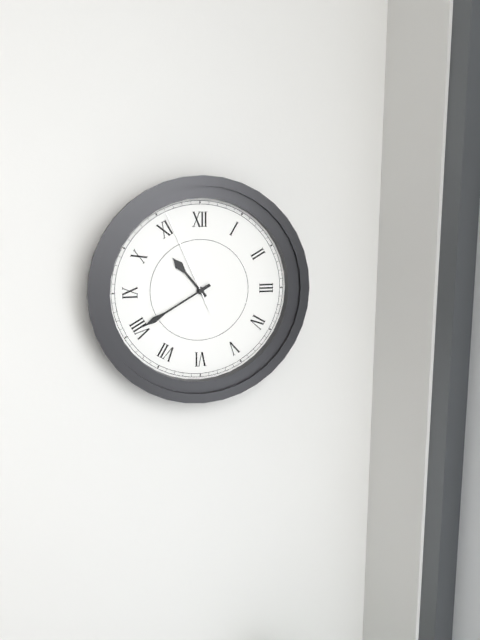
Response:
10.40.56
